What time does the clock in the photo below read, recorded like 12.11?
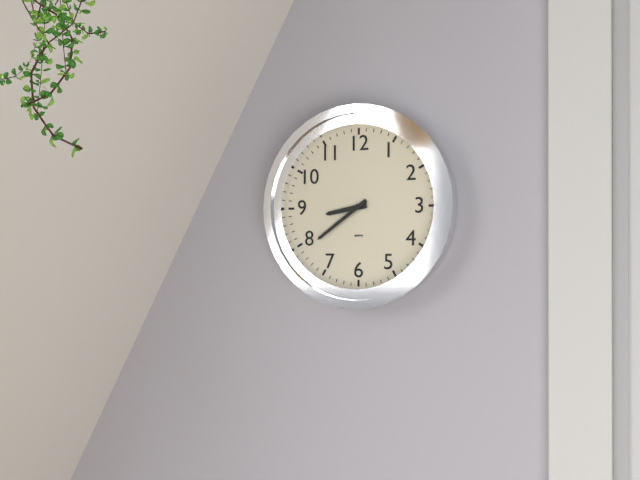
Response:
8.39
